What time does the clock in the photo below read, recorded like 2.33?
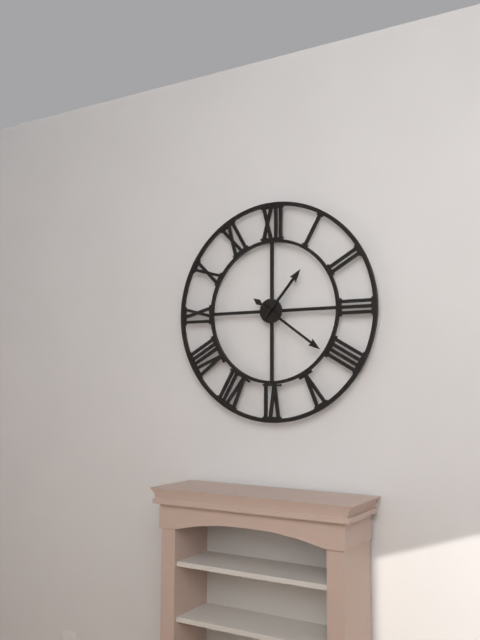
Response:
1.21
